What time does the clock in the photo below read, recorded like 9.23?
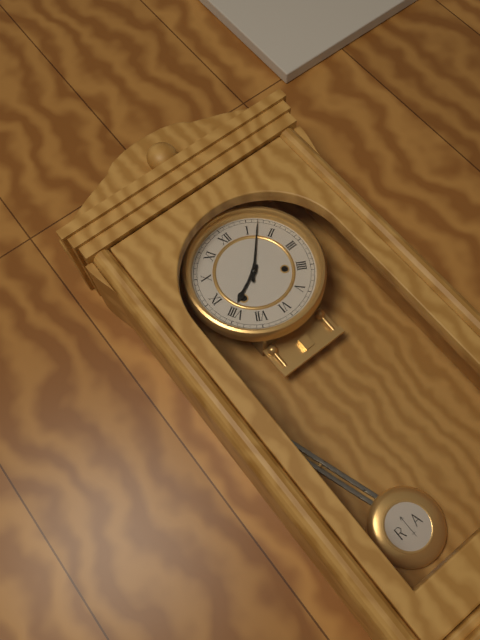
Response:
8.07
